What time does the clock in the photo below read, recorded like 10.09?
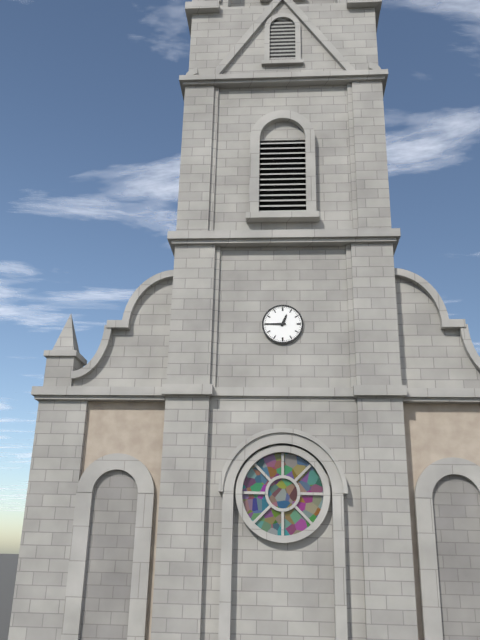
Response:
12.45
